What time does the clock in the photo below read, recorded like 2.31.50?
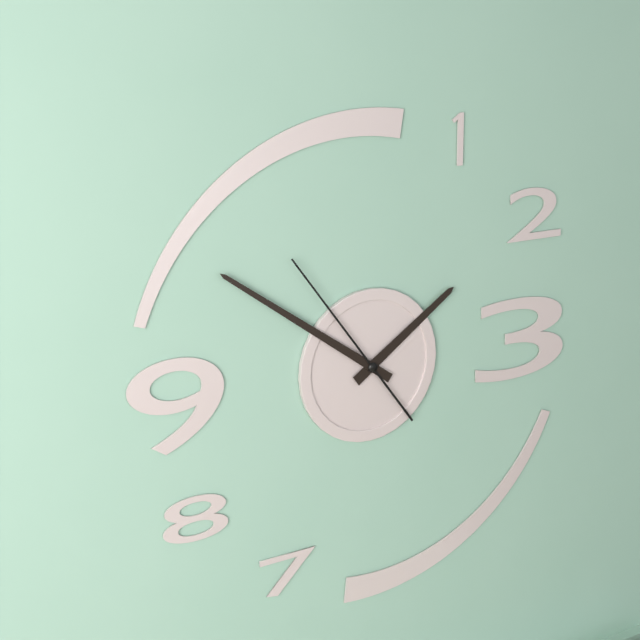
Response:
1.51.54
